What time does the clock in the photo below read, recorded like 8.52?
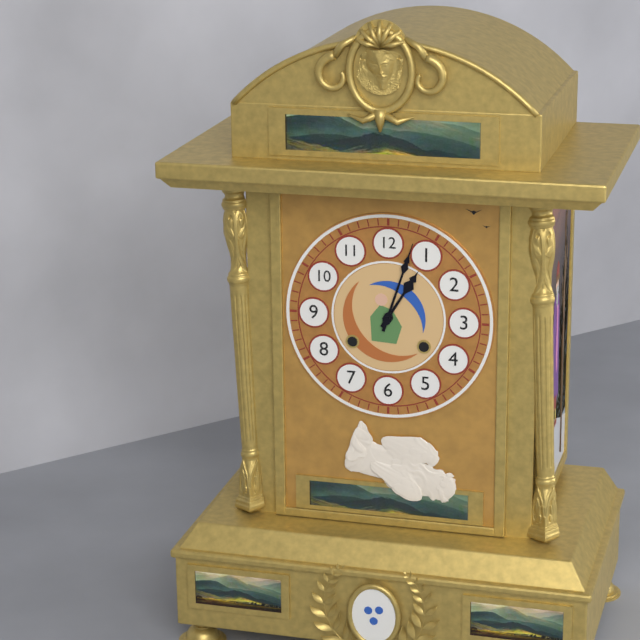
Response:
1.03
